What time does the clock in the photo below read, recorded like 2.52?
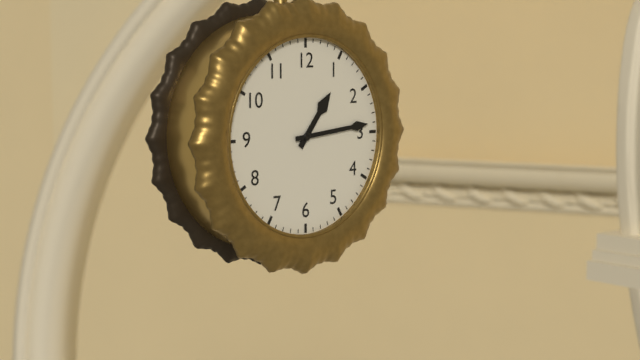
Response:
1.14
